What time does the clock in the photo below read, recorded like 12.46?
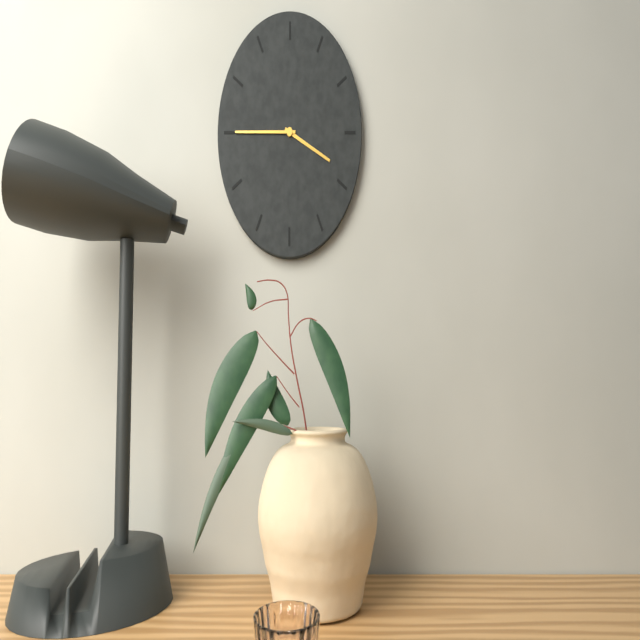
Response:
3.45
